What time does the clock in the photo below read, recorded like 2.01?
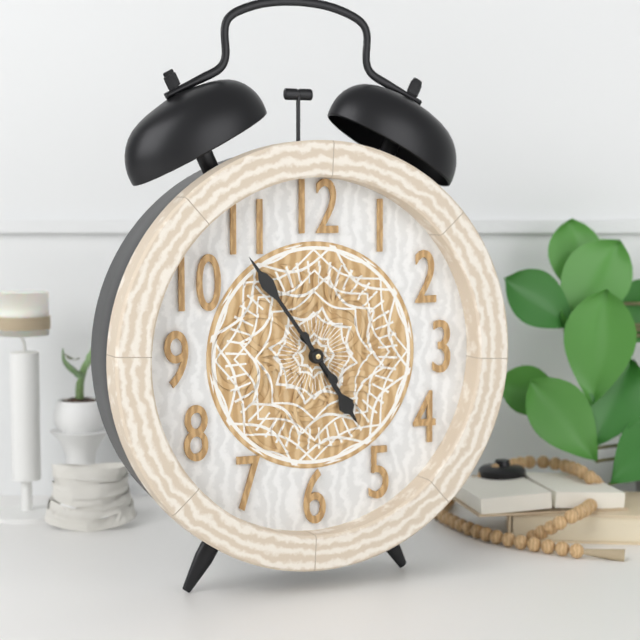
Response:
4.54
